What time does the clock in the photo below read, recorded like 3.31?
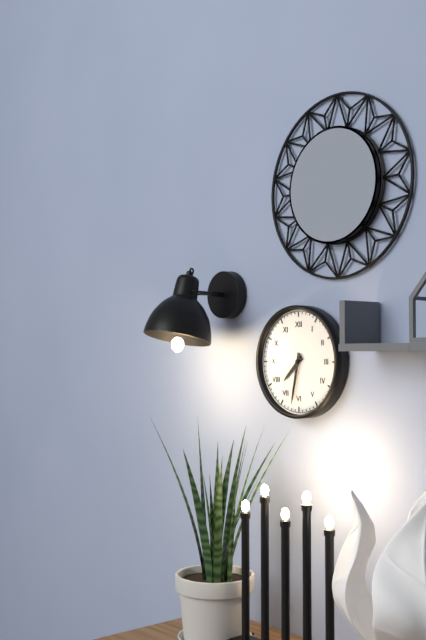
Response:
7.32
